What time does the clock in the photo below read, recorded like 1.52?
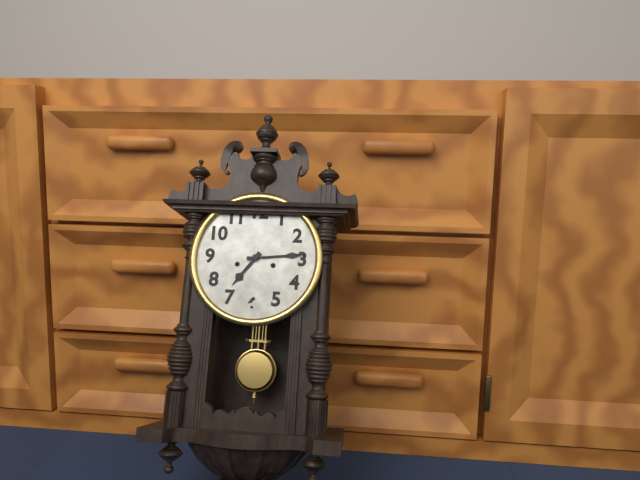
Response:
7.14
